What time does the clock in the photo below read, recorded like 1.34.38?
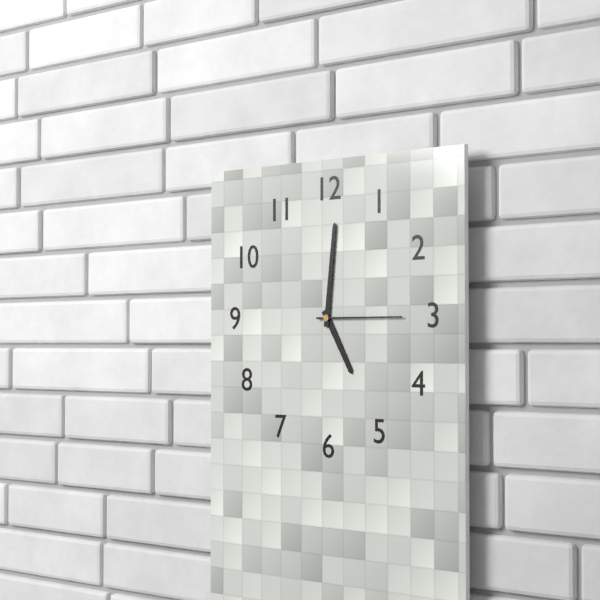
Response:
5.01.15
